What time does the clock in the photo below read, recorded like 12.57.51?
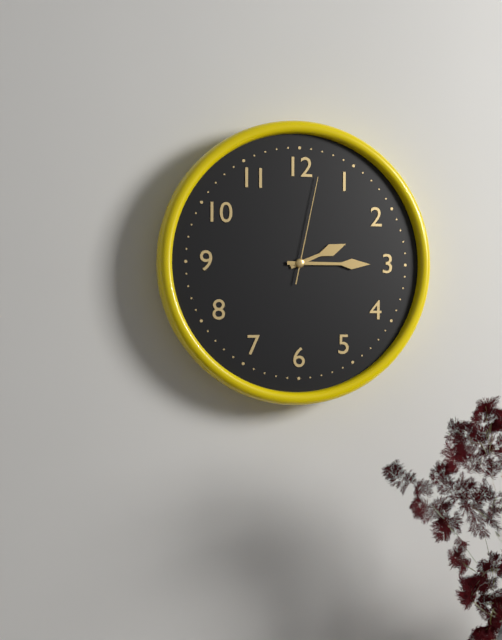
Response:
2.15.02
